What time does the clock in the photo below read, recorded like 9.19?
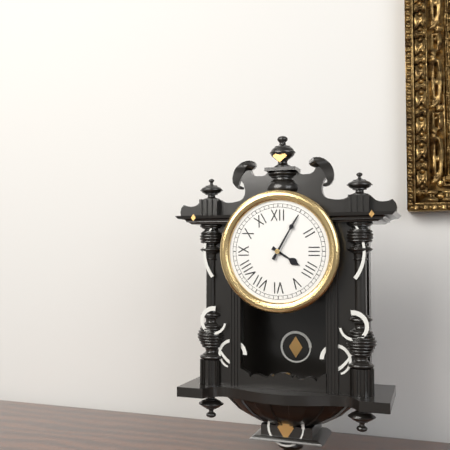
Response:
4.05
